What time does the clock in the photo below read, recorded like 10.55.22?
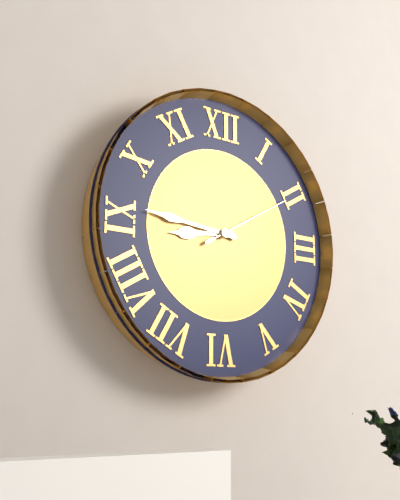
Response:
8.46.10
